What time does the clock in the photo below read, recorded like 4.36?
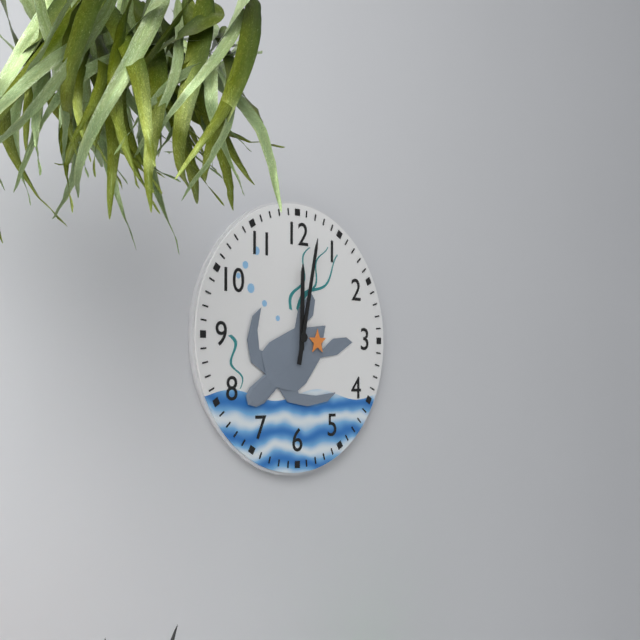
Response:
12.02
